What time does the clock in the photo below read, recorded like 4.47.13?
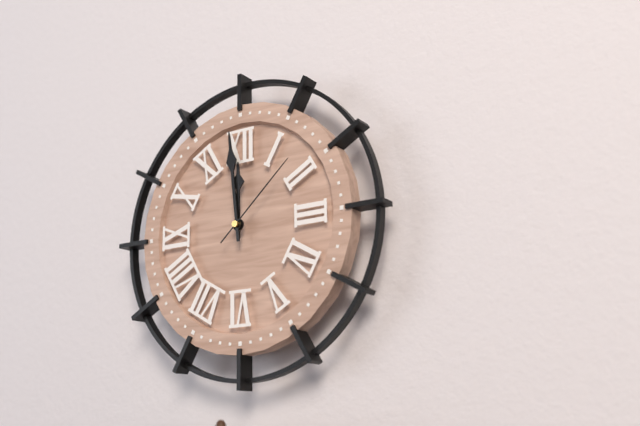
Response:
11.59.08
